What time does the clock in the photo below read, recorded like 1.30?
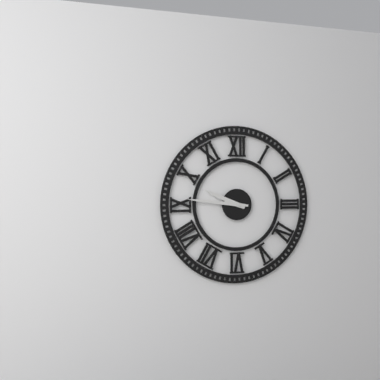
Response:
9.46
